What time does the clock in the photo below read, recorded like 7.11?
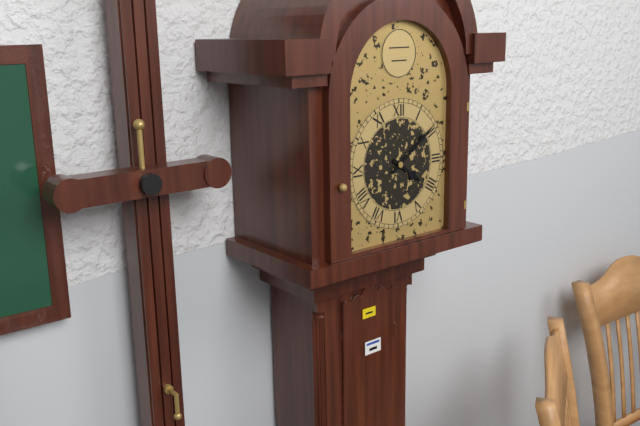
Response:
4.09
